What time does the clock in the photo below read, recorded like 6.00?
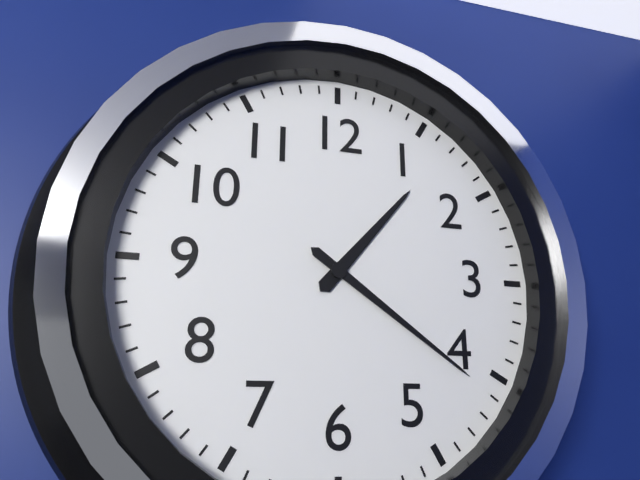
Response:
1.21
